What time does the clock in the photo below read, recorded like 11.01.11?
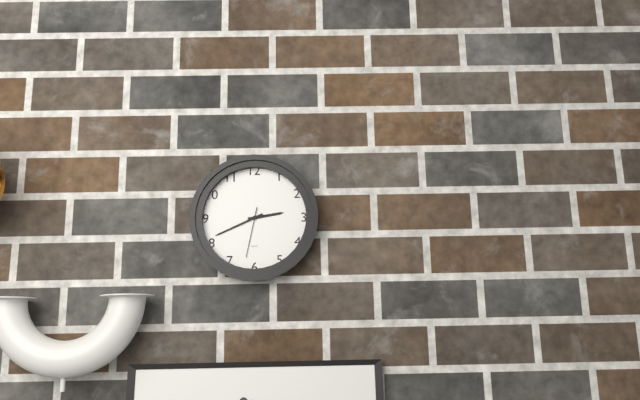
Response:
2.41.32
